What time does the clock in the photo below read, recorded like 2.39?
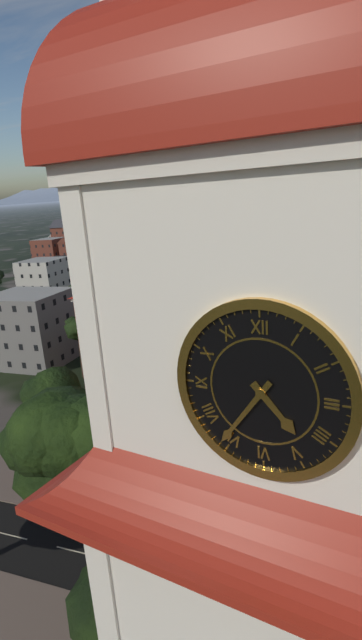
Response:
4.36
